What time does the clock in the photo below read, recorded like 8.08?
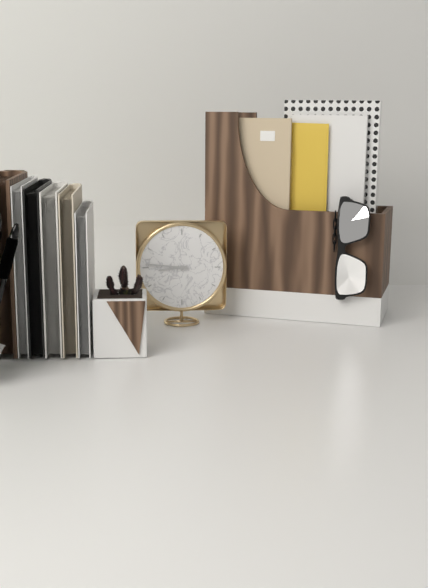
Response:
8.46
